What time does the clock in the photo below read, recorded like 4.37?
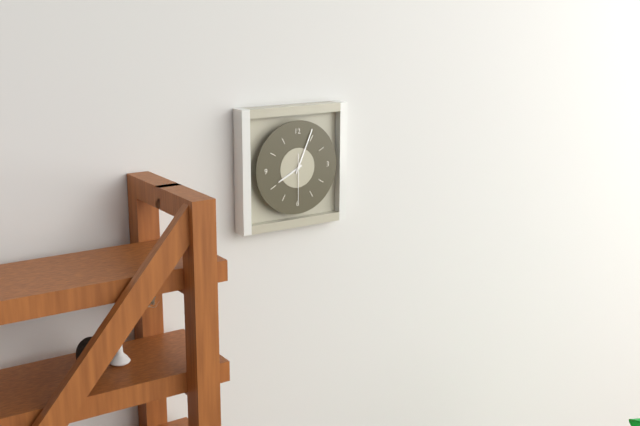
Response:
8.04
